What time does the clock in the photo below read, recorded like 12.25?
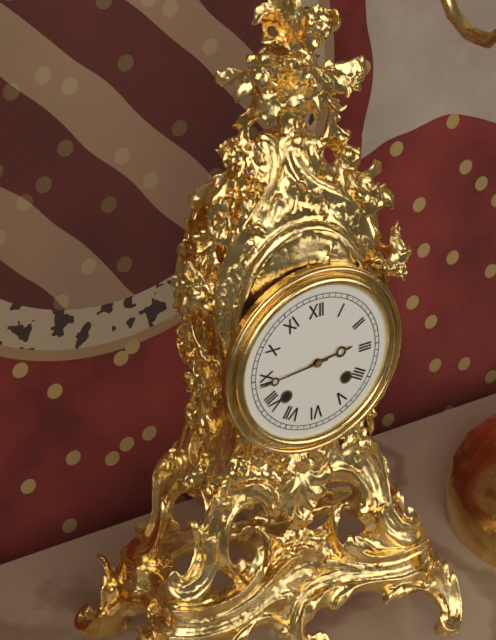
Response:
2.44
